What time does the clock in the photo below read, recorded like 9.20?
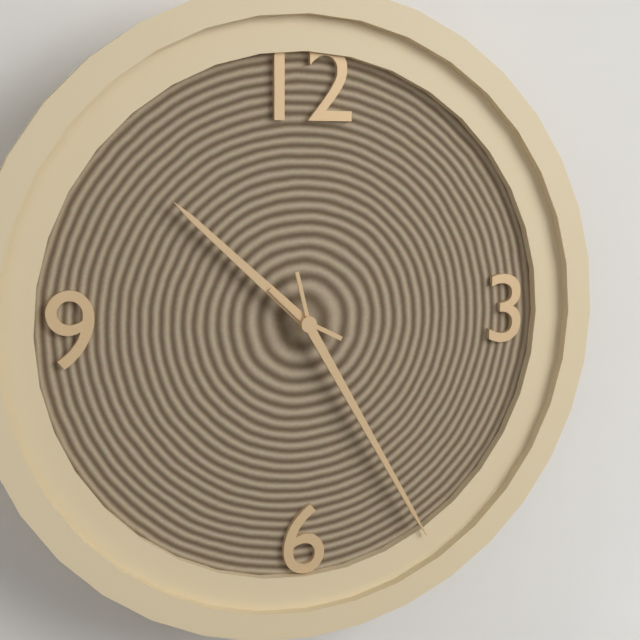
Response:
10.25
